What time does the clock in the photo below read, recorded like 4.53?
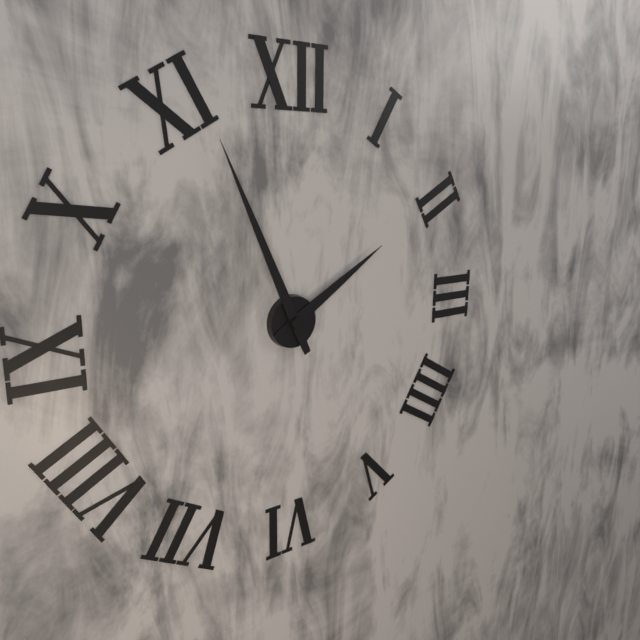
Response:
1.56
